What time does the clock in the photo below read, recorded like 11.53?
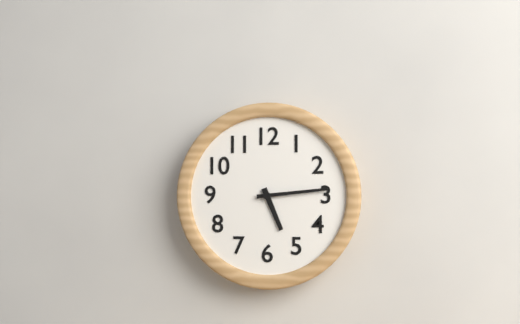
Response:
5.14
